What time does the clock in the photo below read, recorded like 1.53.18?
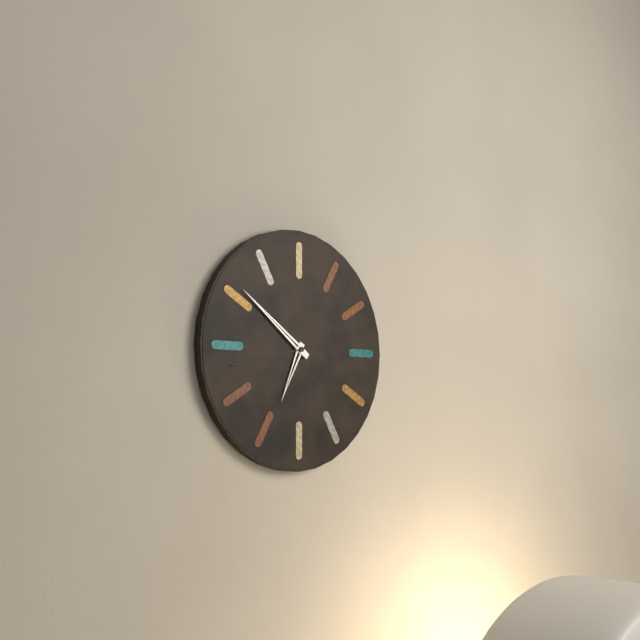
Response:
6.51.43
